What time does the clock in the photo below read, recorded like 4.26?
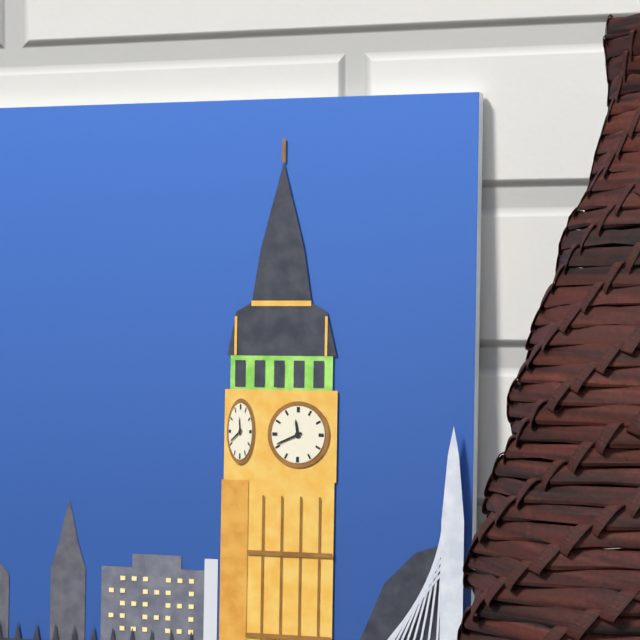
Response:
11.41
